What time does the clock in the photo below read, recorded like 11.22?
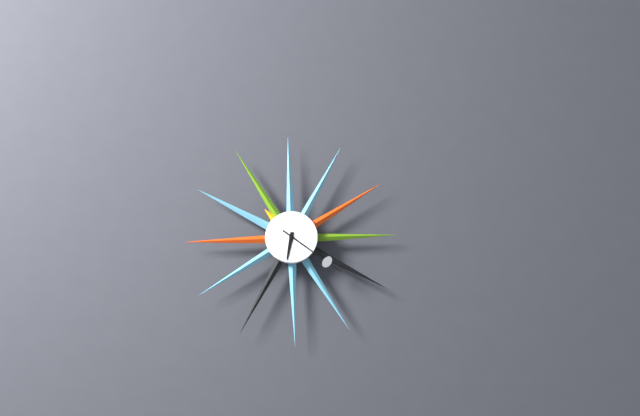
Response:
6.21
